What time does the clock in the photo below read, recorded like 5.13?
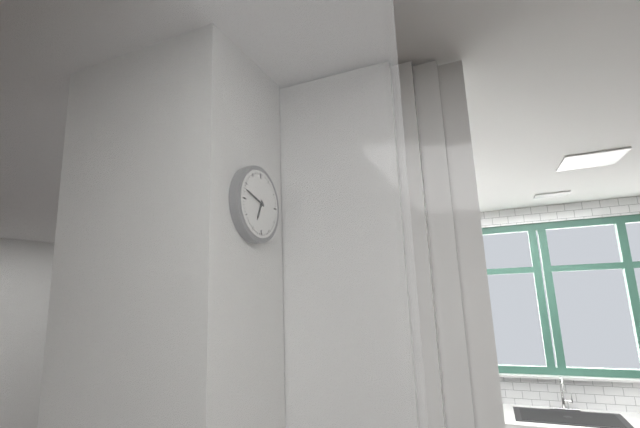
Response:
6.48
